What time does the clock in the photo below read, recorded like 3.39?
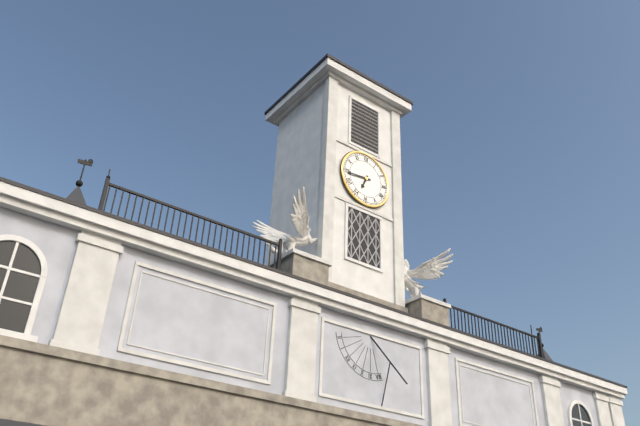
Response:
6.44
